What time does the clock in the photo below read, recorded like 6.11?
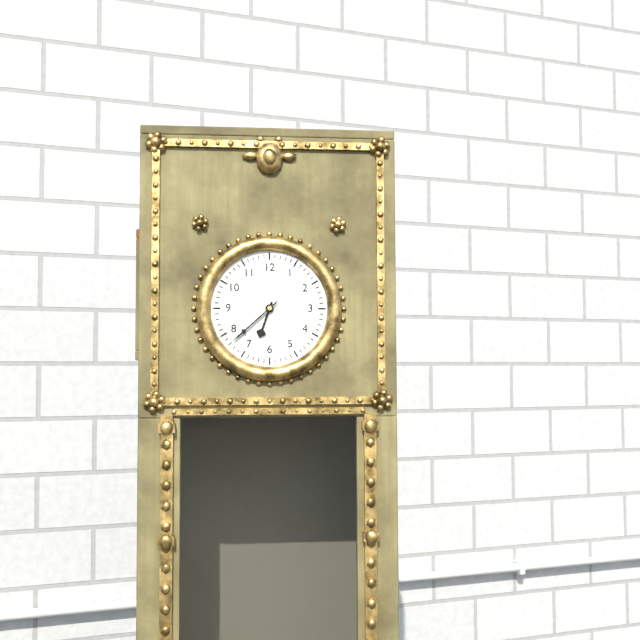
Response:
6.38
